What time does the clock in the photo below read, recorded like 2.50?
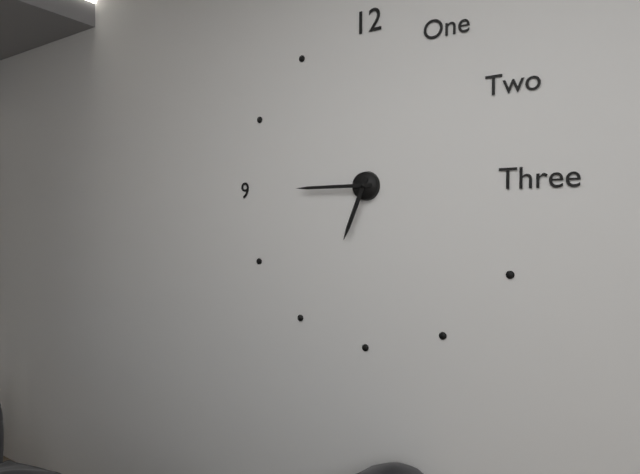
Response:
6.45
